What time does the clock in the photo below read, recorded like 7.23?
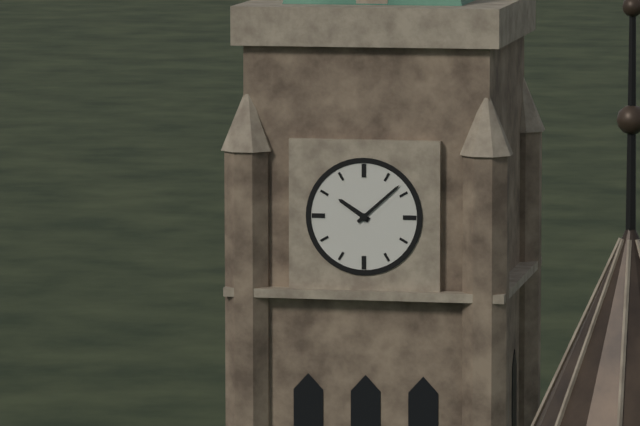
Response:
10.08
